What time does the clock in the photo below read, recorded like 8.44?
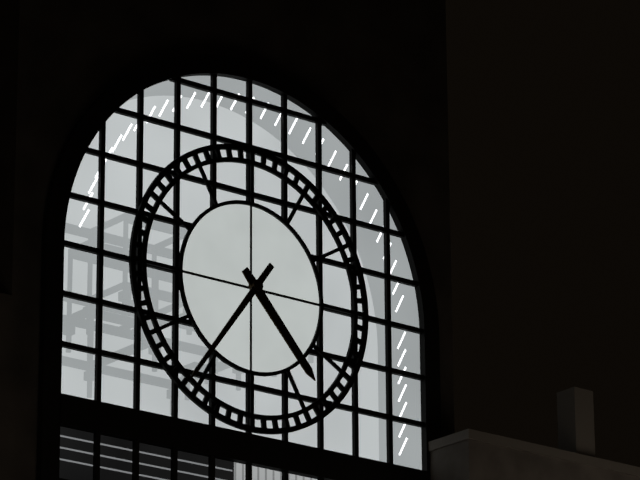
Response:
4.36
